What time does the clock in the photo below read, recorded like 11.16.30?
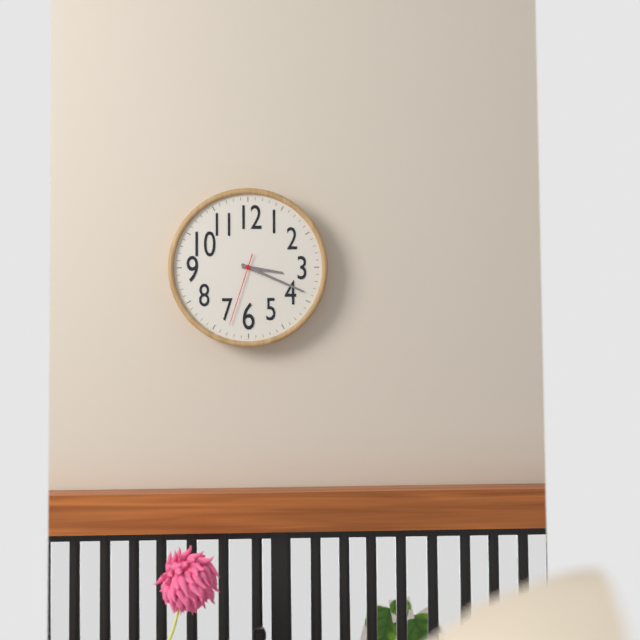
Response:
3.19.33
